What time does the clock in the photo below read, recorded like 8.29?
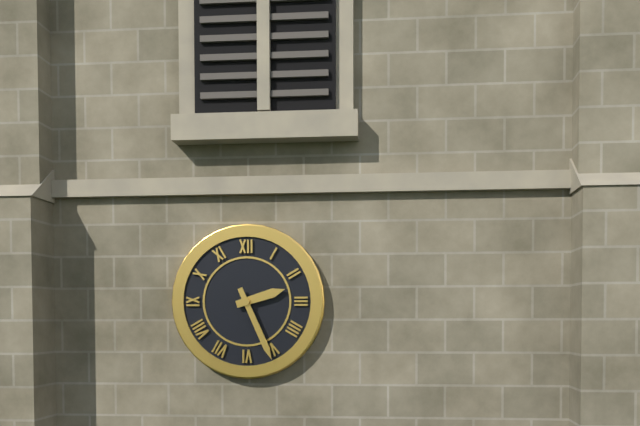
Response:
2.26
